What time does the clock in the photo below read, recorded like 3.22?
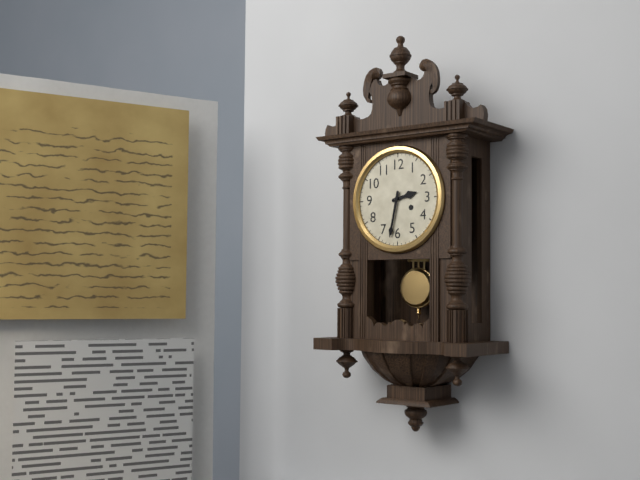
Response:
2.32
